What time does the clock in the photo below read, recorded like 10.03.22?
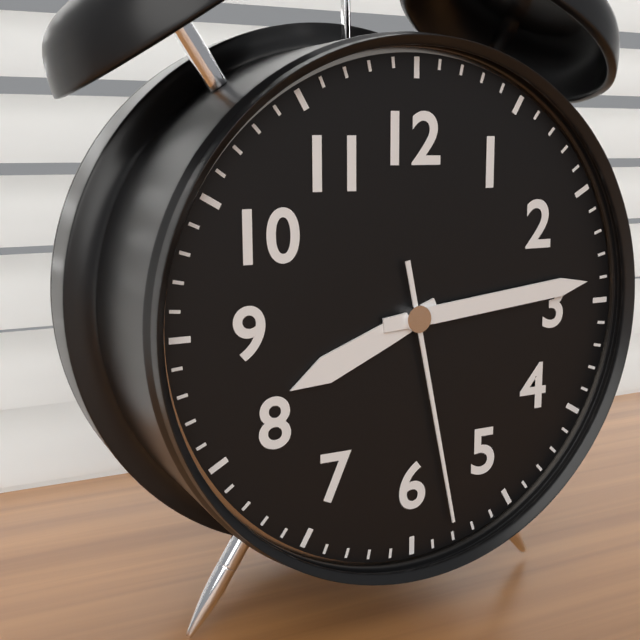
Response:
8.14.28
